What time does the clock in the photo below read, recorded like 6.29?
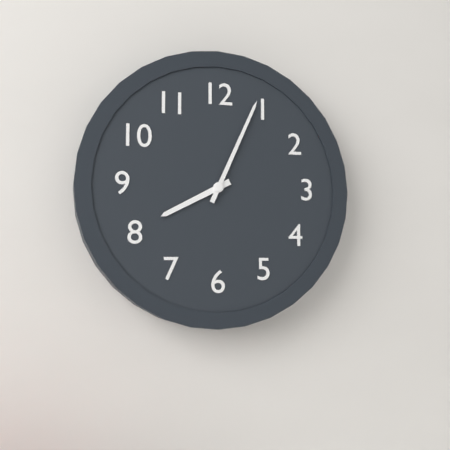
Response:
8.04
